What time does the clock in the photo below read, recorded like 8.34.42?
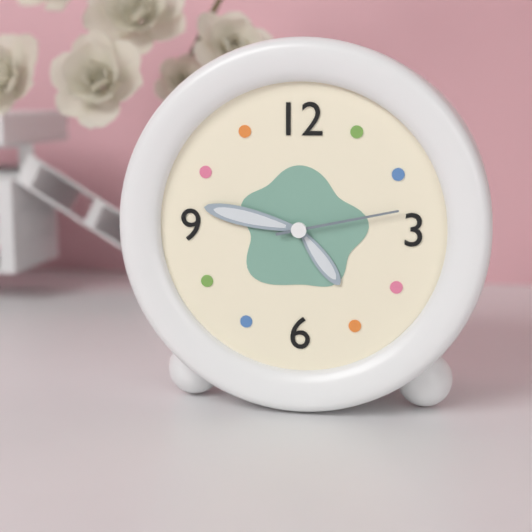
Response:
4.47.13
